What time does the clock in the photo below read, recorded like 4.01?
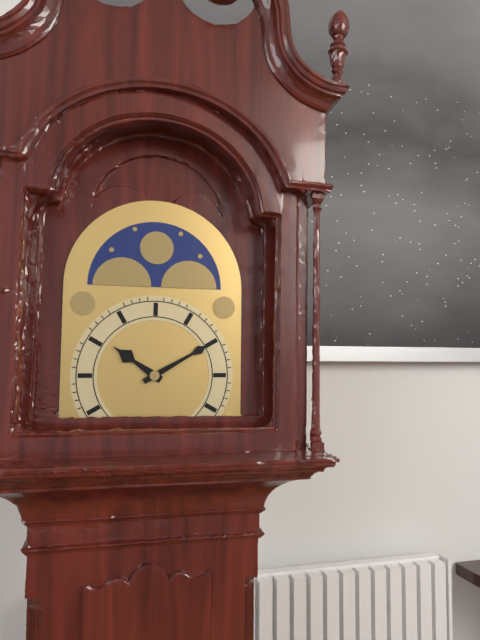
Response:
10.10
